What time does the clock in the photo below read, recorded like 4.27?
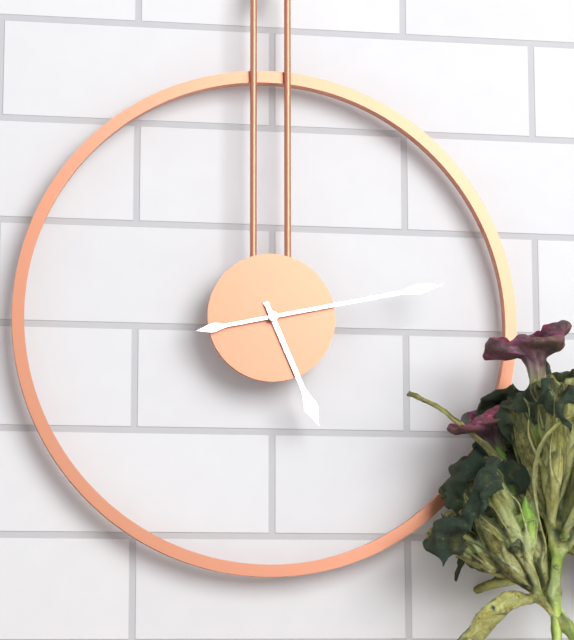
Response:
5.13
